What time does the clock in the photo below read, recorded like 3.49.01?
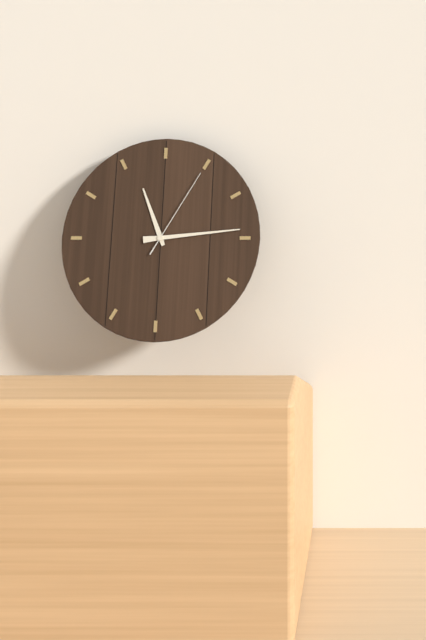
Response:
11.14.05
